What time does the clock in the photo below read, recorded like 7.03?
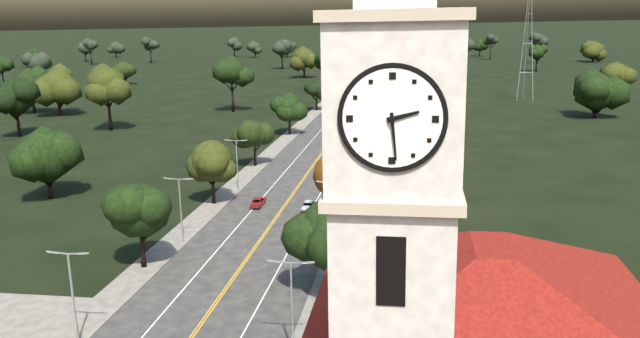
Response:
2.29
